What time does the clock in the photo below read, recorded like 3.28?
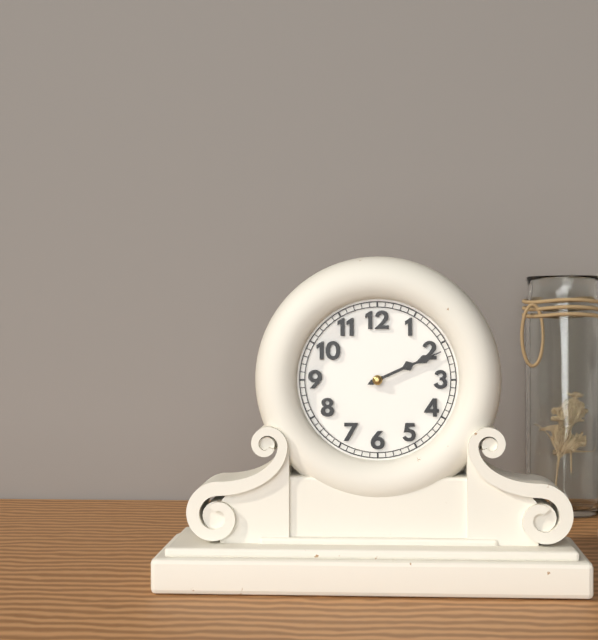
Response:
2.11
